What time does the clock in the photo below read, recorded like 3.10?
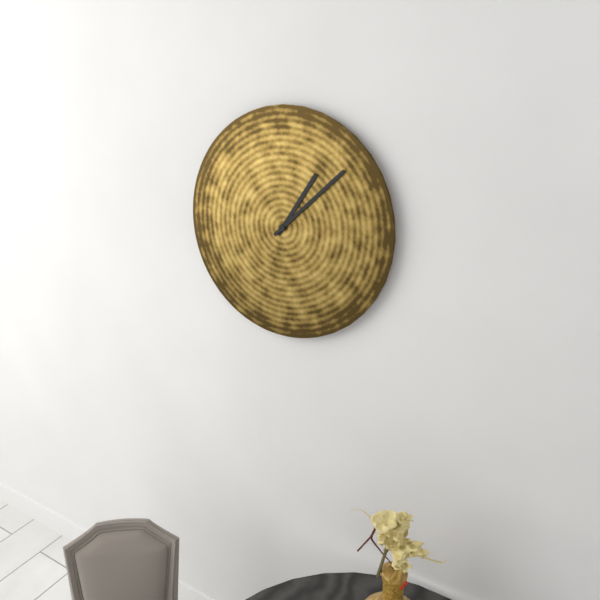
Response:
1.08
